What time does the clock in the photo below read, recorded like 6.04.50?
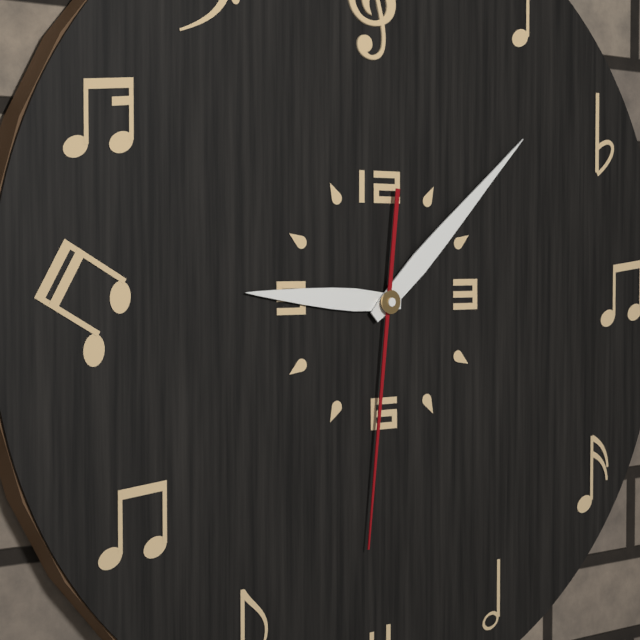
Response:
9.08.31
